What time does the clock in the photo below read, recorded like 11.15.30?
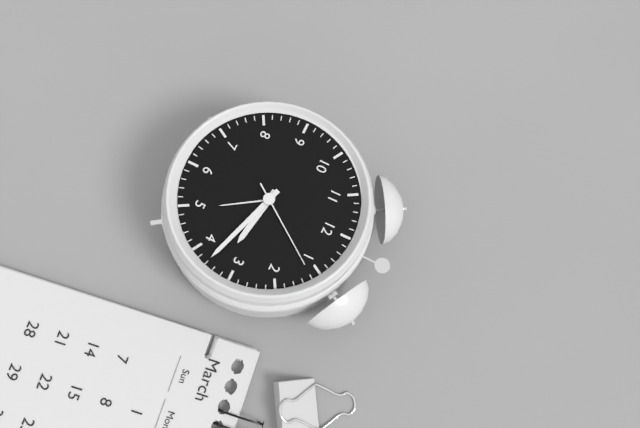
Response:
3.18.06
